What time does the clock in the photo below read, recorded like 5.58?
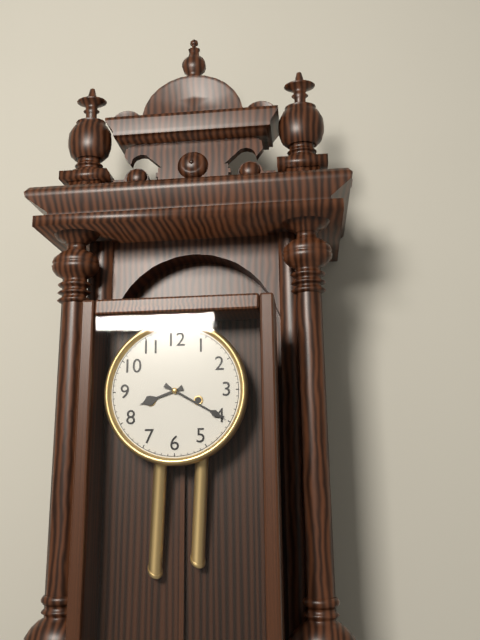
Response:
8.20
